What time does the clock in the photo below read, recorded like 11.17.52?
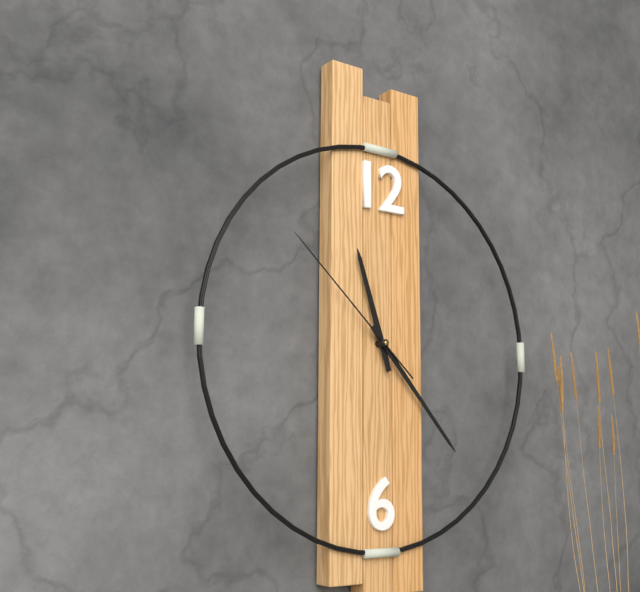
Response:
11.23.52
